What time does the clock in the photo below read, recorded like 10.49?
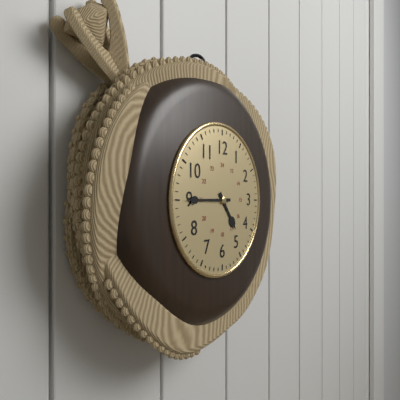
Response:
4.45
